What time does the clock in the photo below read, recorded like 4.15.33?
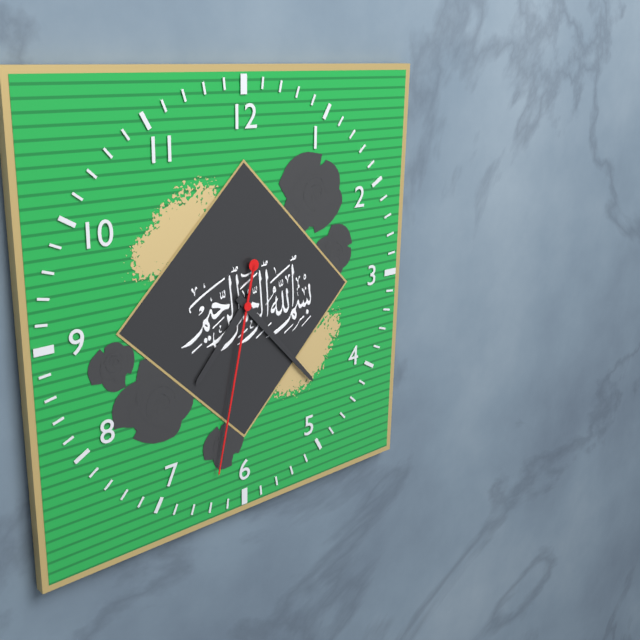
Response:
7.23.32
